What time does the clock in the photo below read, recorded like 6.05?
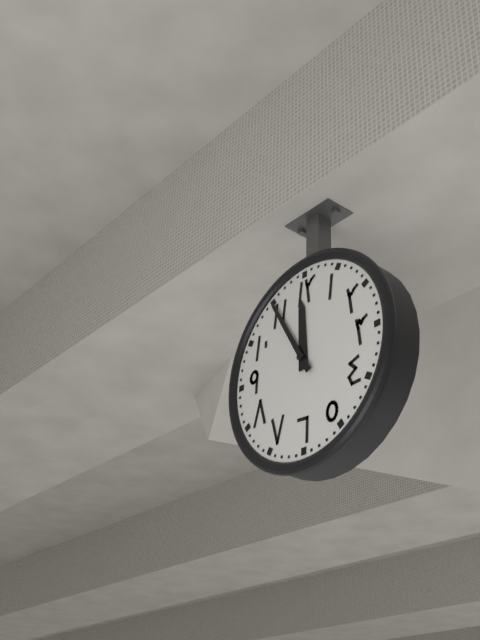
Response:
11.55
